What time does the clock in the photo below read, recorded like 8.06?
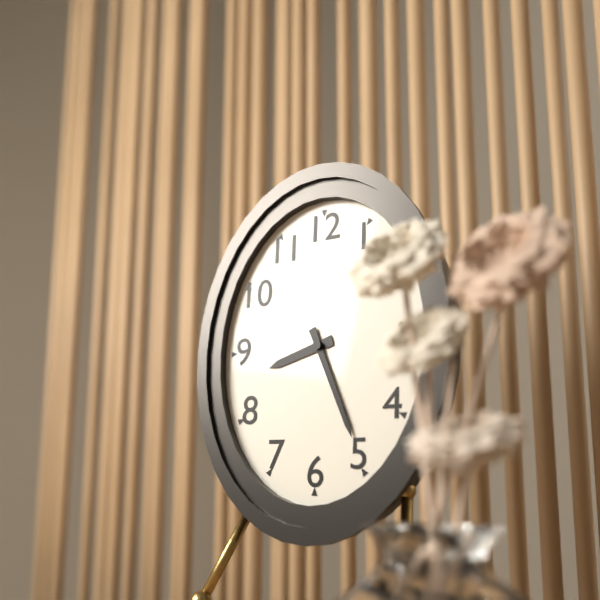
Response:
8.26
